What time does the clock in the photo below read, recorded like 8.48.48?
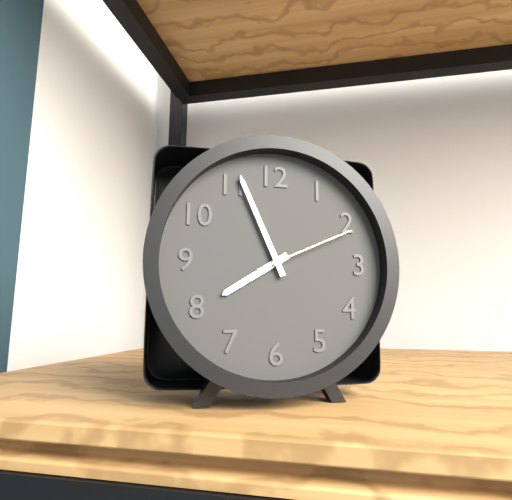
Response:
7.56.11
